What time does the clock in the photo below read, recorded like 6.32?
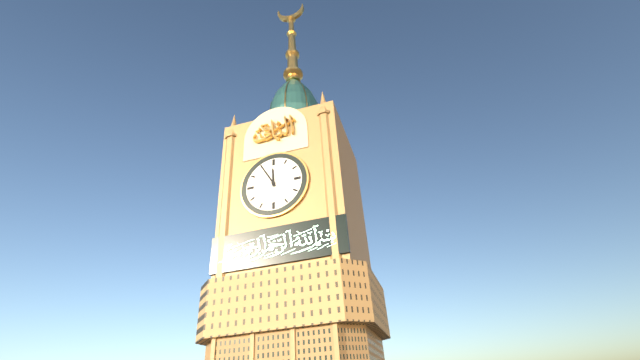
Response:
11.55
